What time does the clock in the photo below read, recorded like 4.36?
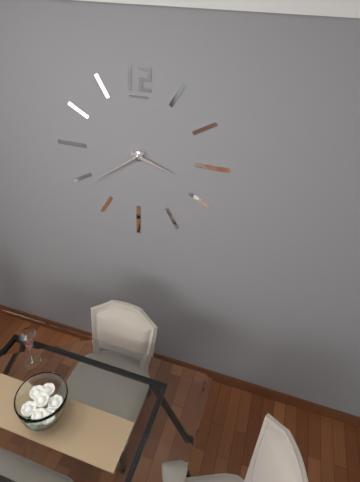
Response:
3.39
